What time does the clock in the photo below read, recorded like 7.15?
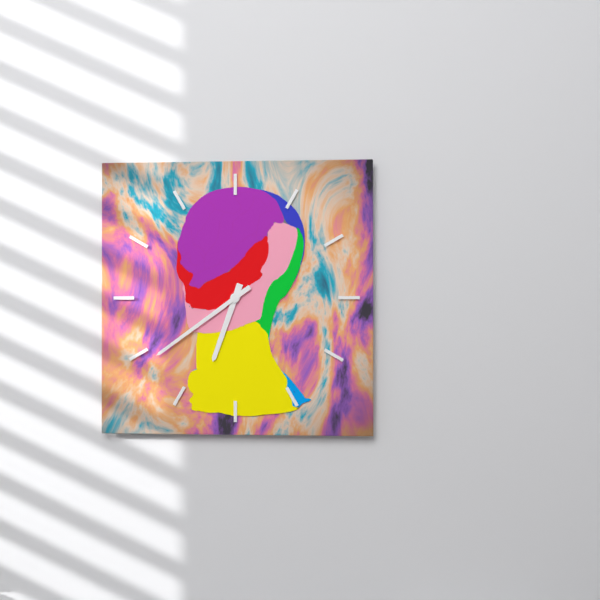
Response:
6.39
